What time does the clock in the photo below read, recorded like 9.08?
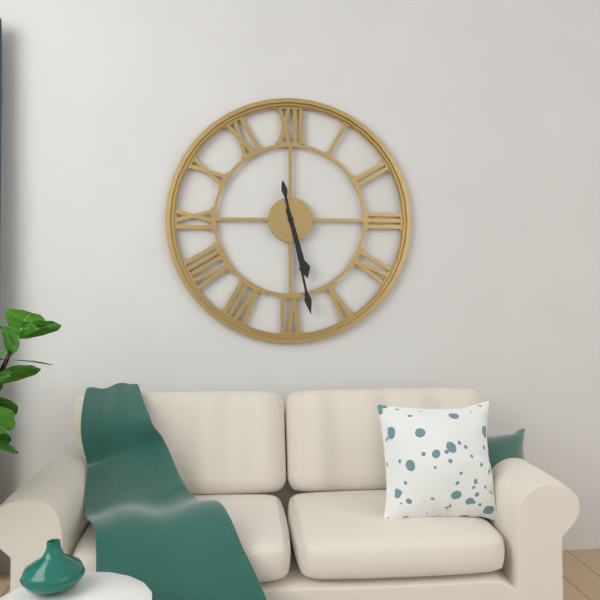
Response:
5.28
